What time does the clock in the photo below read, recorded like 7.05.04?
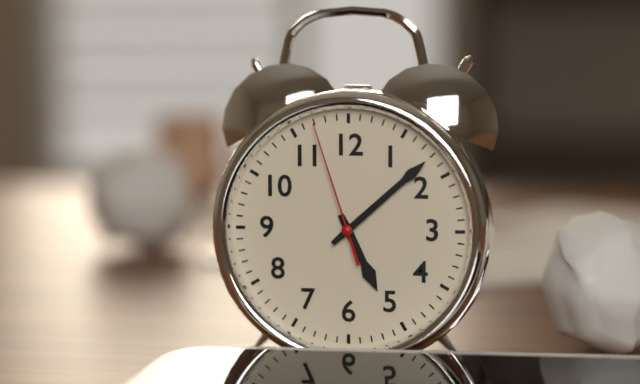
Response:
5.08.57
